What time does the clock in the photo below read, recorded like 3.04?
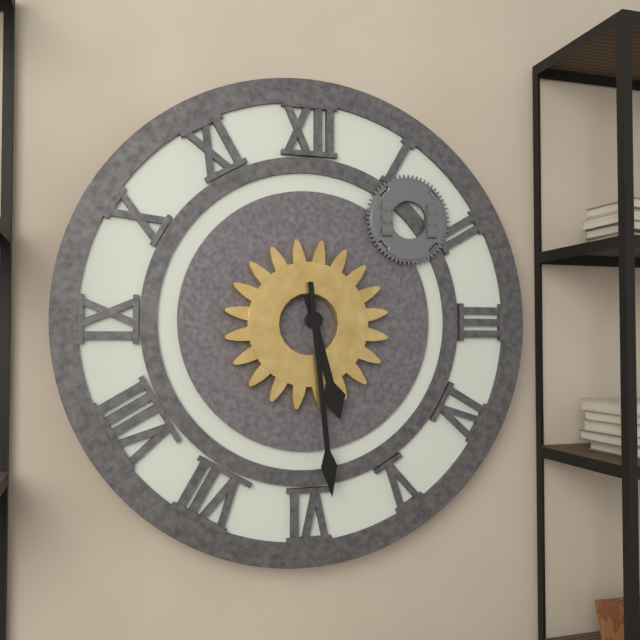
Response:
5.29
